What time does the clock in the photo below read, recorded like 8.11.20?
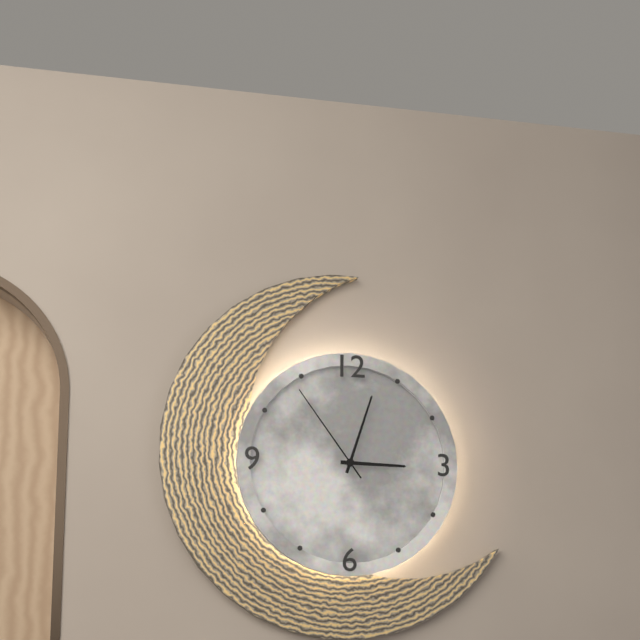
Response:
3.03.54
